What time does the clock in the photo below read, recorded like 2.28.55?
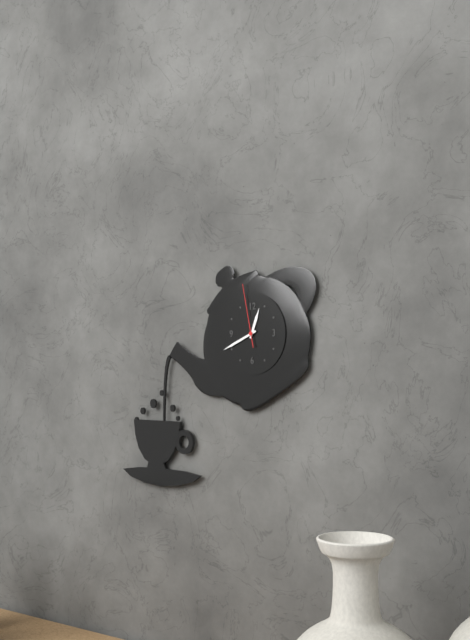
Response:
12.41.58
